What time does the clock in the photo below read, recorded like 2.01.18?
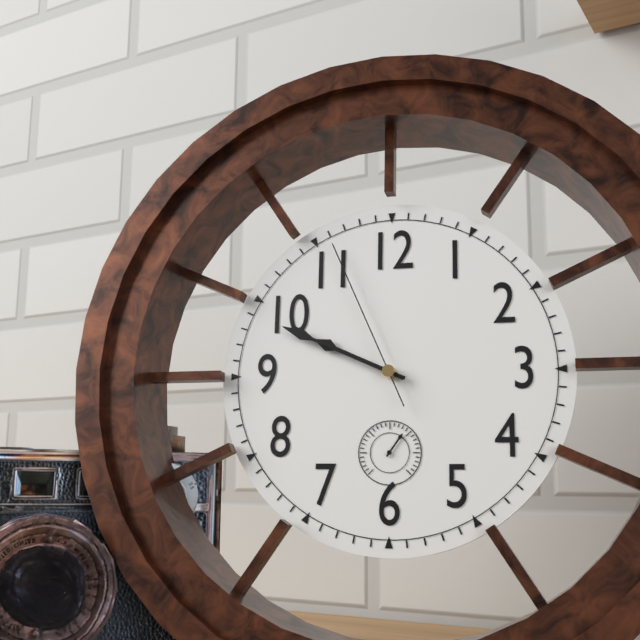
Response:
9.49.56
